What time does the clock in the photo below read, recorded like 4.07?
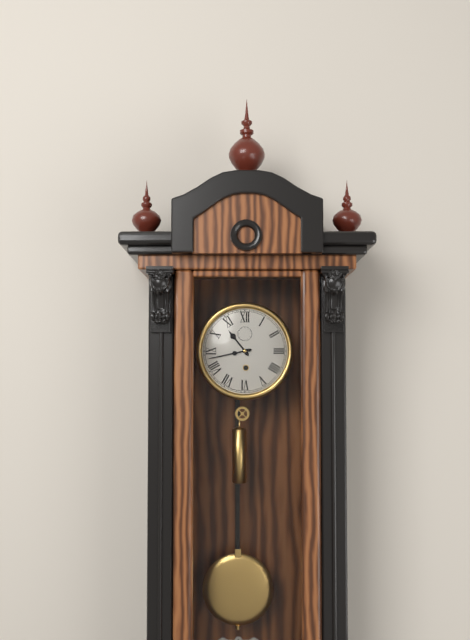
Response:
10.43
